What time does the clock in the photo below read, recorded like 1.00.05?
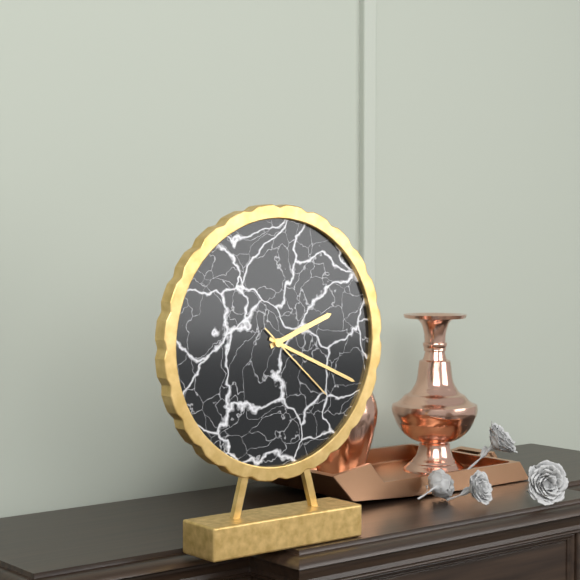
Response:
2.19.22
